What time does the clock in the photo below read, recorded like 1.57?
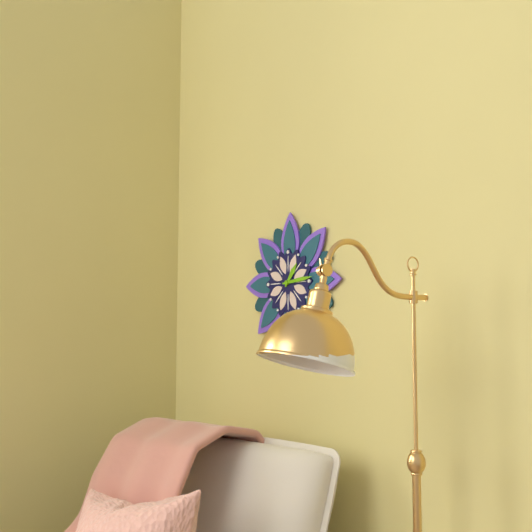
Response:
1.14
